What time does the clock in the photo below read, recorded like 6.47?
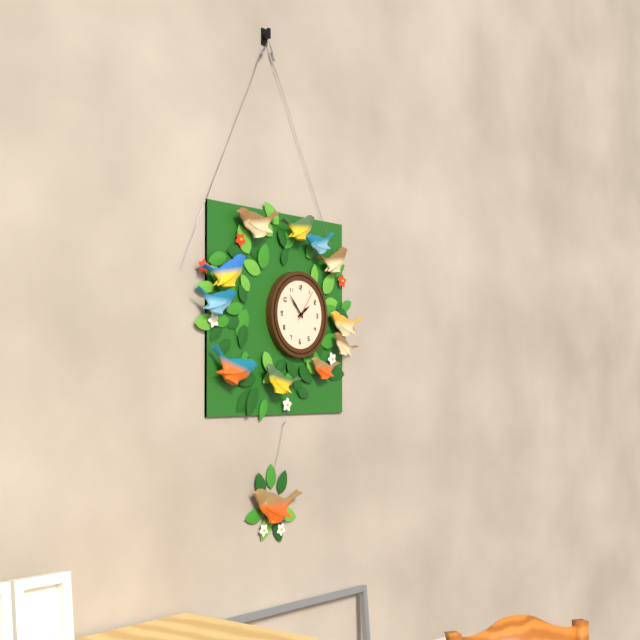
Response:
1.53
